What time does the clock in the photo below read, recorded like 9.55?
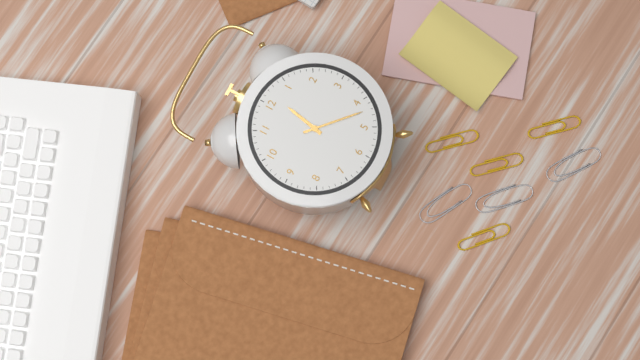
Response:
12.22
